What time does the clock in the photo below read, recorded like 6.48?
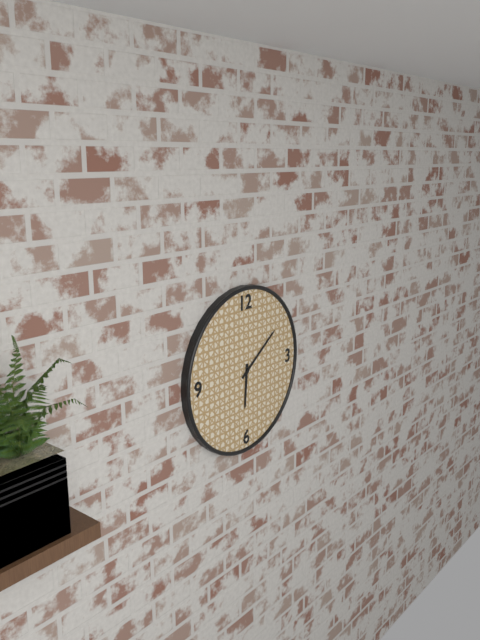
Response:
6.09
